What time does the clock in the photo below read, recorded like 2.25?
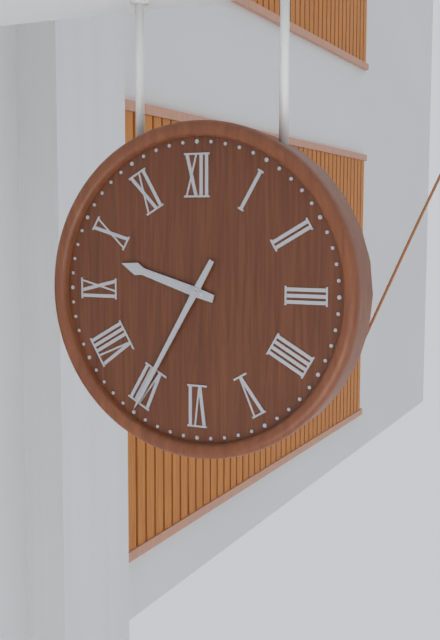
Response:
9.35
